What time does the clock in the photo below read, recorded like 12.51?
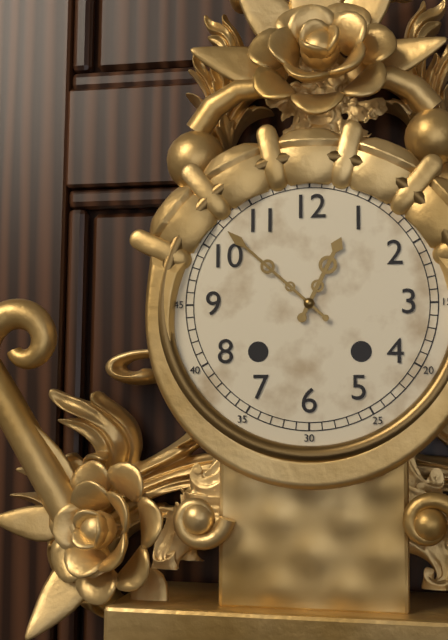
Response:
12.52
